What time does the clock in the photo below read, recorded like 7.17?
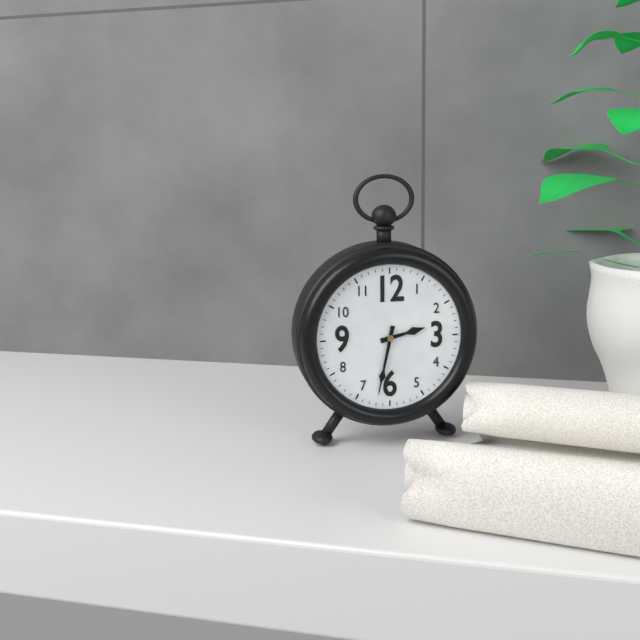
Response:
2.32
